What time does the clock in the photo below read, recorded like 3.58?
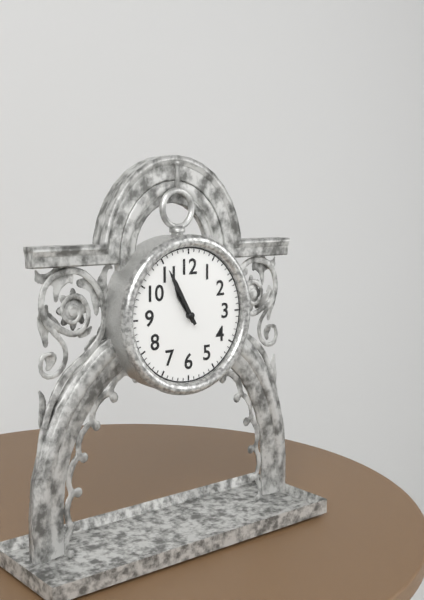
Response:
10.55
